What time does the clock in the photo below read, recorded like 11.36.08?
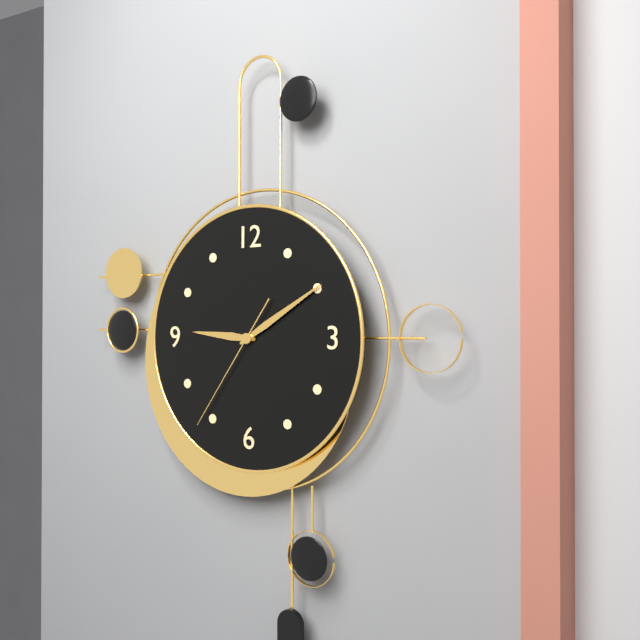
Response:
9.10.36
